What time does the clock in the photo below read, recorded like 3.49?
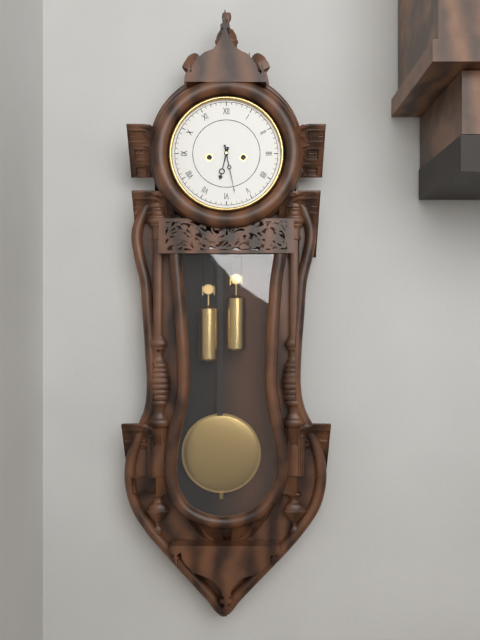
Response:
6.28
